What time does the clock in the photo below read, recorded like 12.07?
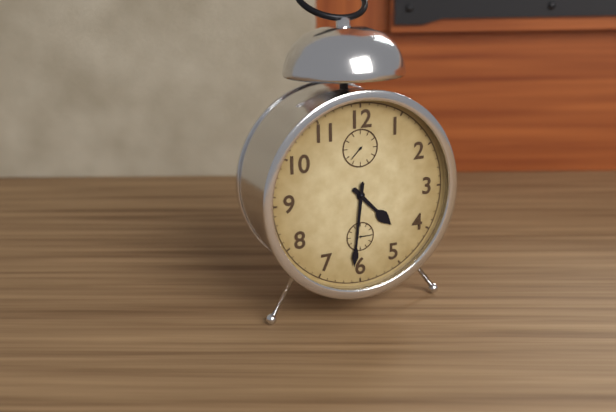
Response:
4.31
